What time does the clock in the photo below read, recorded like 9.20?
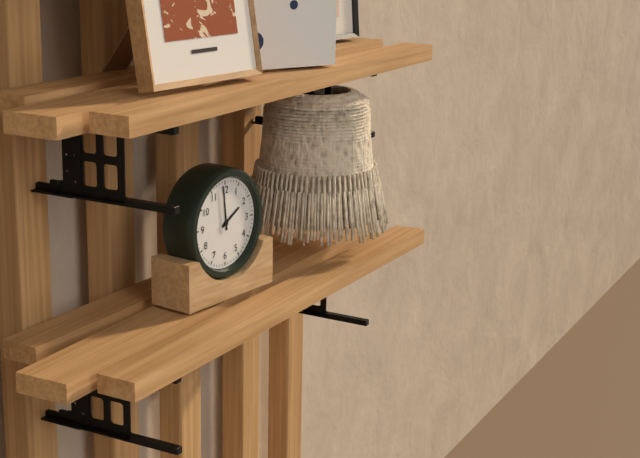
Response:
1.59
